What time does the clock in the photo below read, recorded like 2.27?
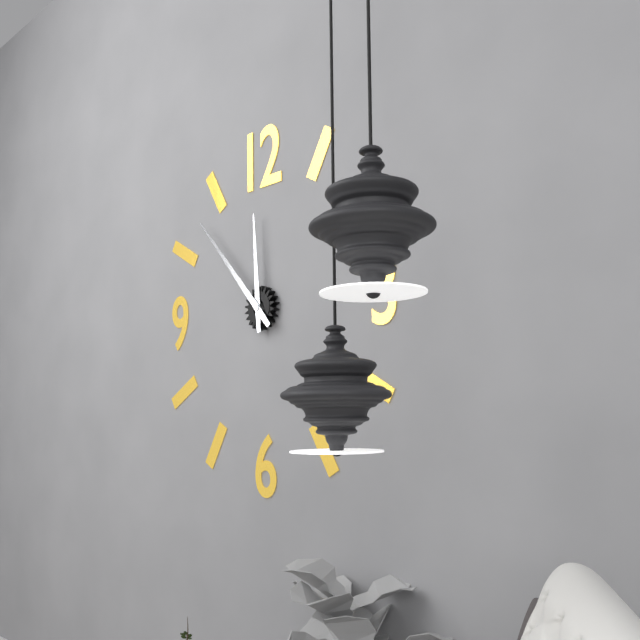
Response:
11.53
